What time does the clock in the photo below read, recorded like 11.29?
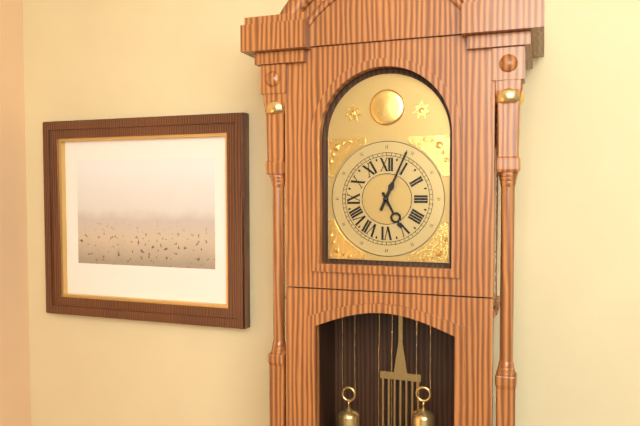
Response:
5.04
